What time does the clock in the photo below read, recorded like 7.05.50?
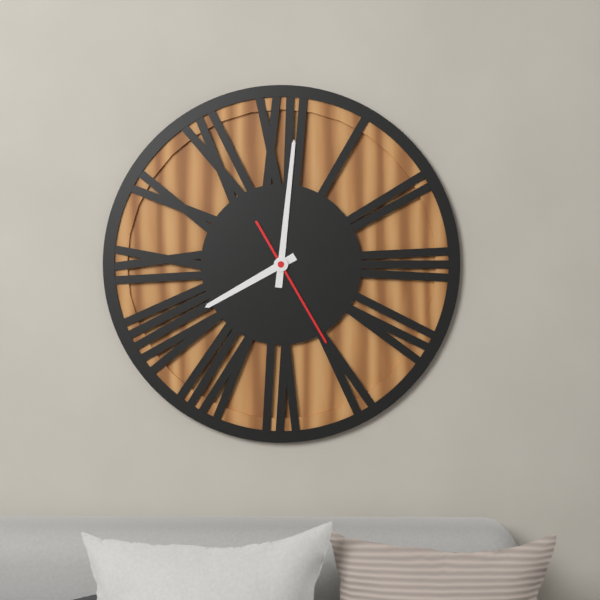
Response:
8.01.25
